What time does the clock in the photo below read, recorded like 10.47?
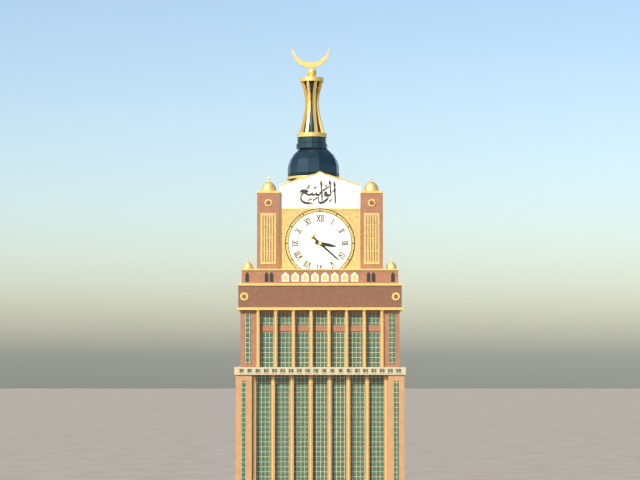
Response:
3.22
